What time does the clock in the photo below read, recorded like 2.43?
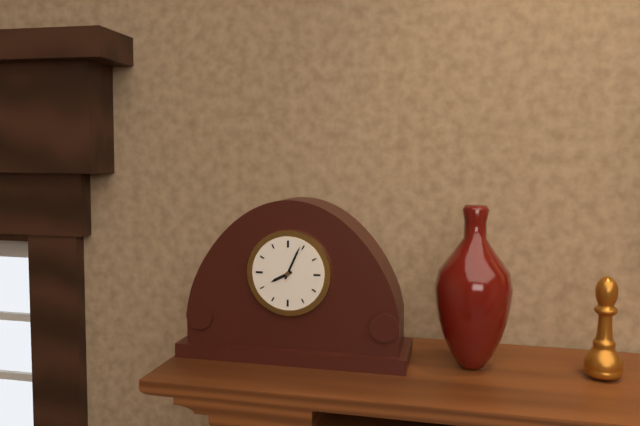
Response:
8.04
